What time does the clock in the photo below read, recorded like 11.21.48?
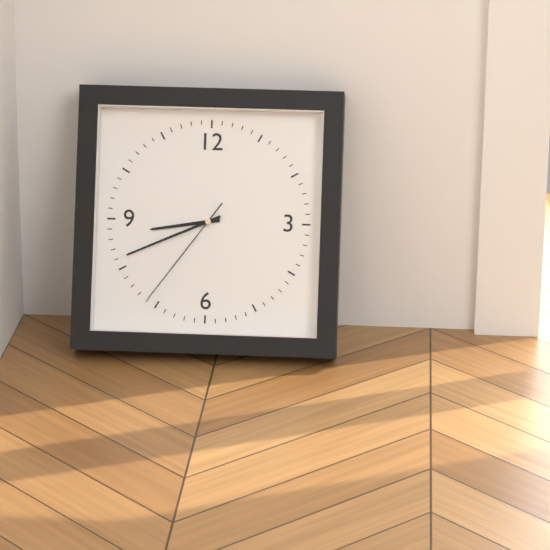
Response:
8.41.36
